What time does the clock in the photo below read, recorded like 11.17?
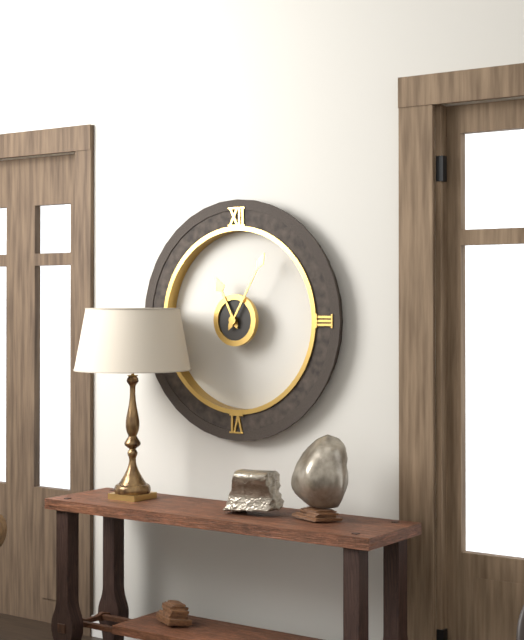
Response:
11.05
